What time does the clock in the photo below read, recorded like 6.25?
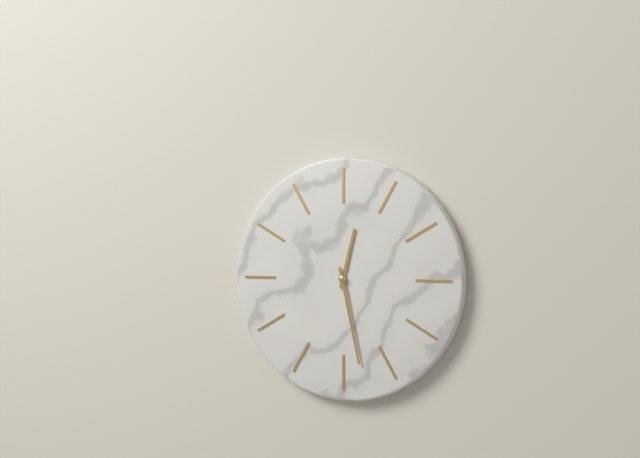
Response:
12.28
